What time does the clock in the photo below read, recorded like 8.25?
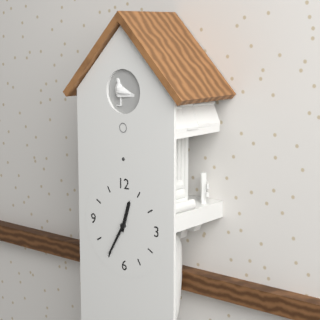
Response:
12.35
